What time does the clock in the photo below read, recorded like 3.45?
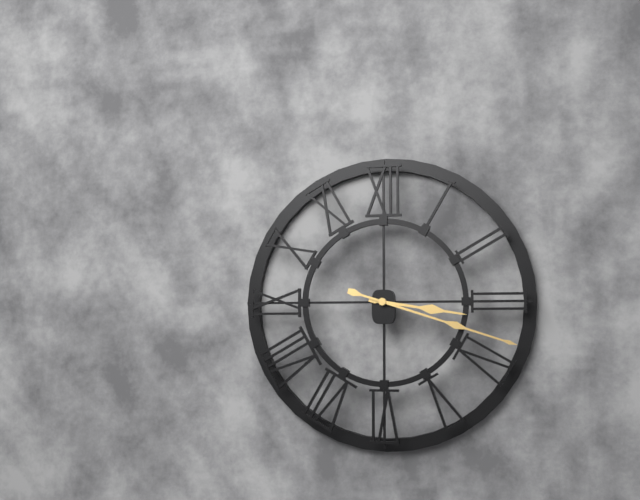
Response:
3.18
